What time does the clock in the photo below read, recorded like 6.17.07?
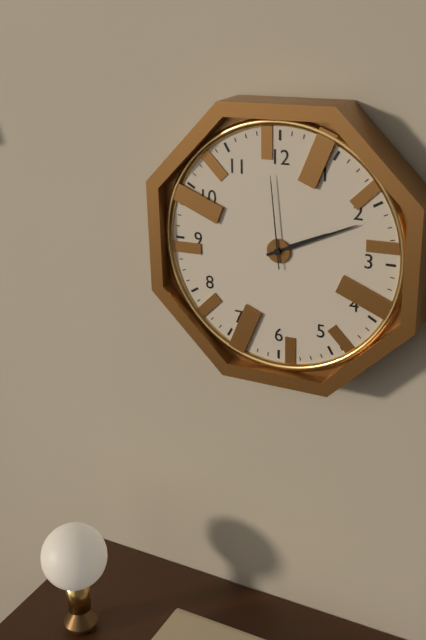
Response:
2.11.59
